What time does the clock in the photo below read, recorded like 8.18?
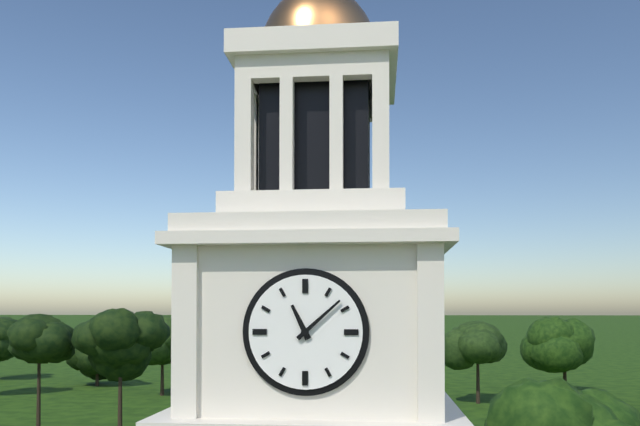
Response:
11.08
